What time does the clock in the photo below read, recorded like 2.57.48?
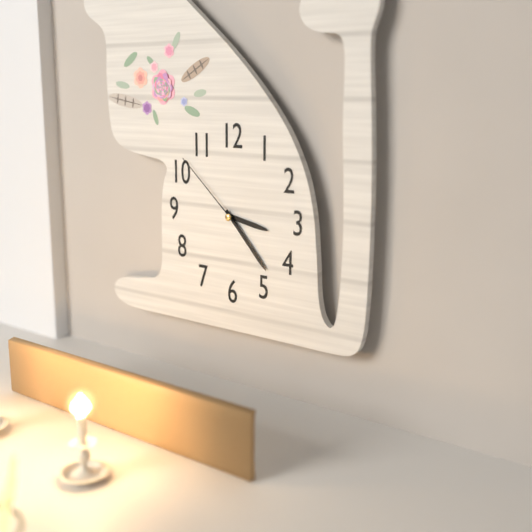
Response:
3.23.52
